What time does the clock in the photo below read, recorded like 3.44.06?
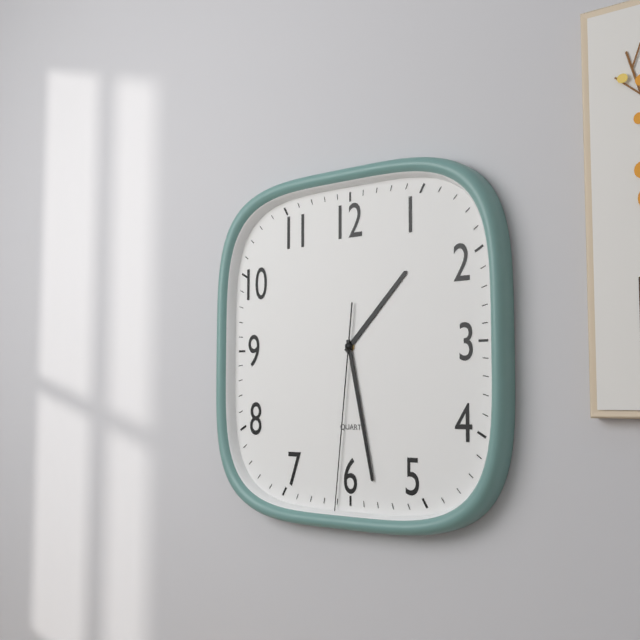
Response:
1.28.31
